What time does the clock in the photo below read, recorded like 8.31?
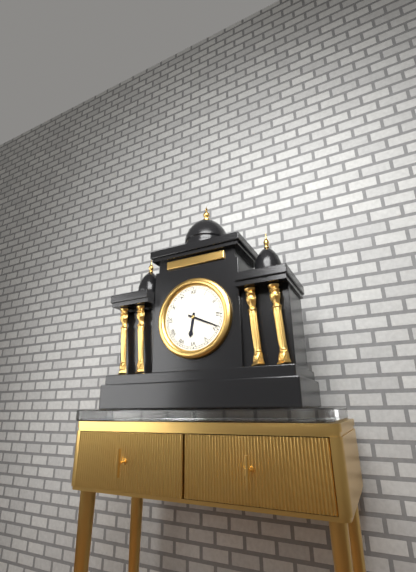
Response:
6.19
